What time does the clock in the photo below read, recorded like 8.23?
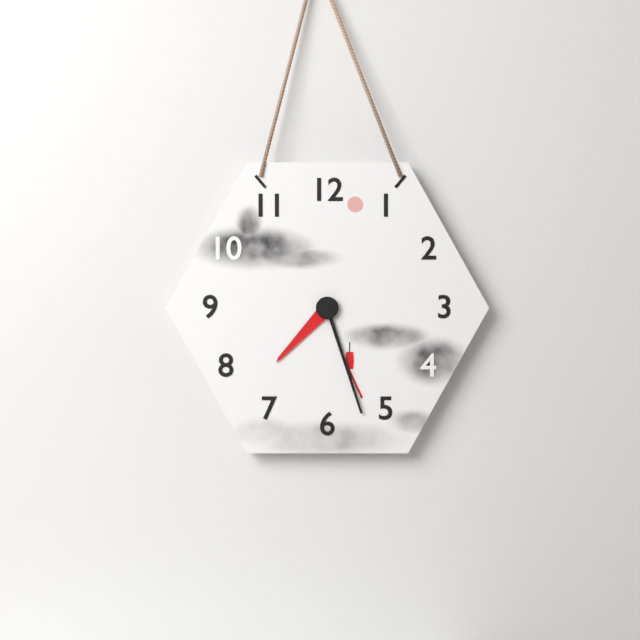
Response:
7.27
